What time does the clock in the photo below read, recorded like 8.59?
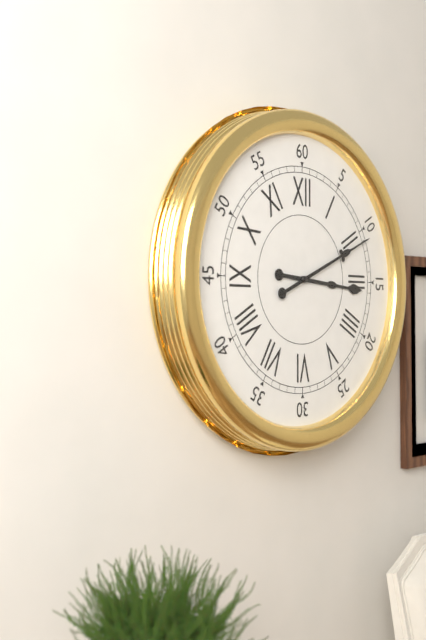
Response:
3.11
